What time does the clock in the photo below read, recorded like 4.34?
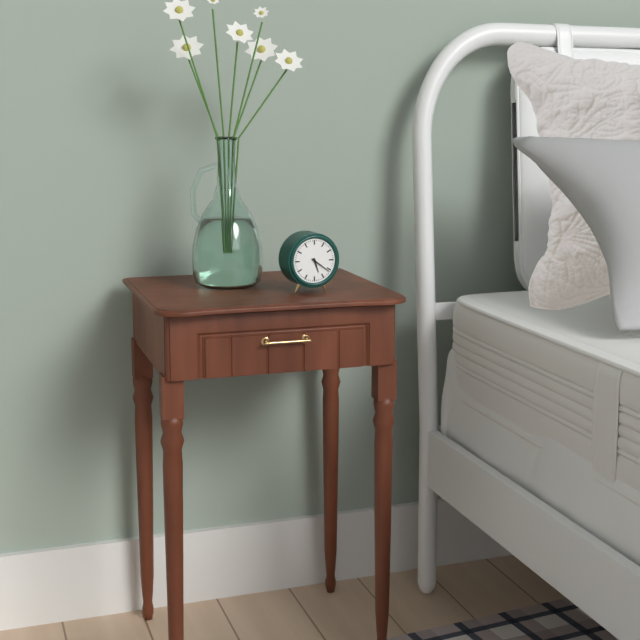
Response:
5.21
